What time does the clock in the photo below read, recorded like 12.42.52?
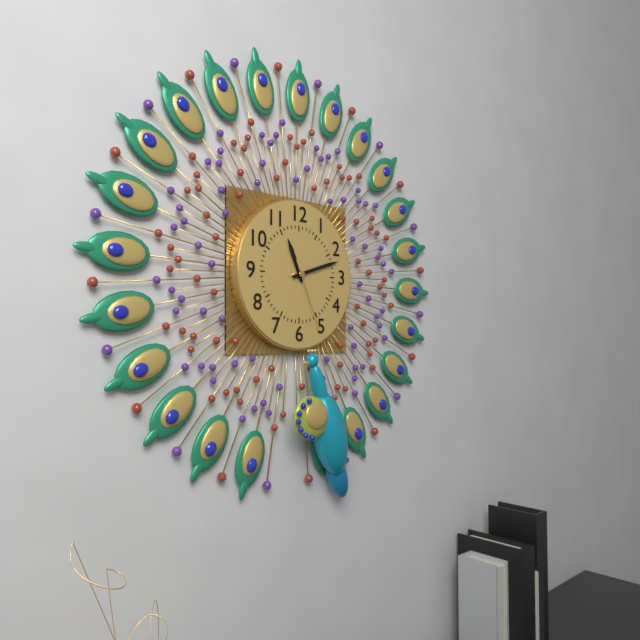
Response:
11.12.26
